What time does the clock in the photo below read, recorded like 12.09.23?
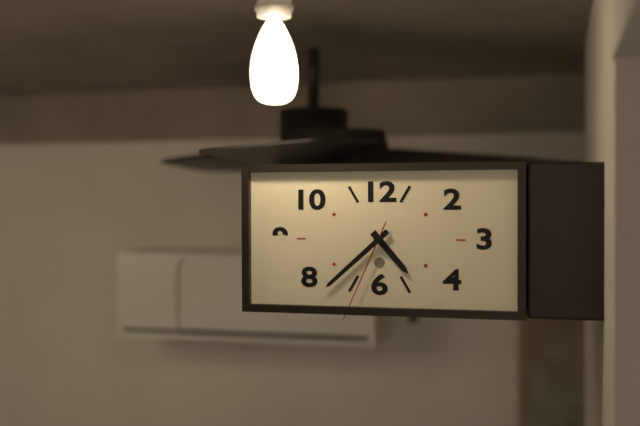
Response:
4.38.34
